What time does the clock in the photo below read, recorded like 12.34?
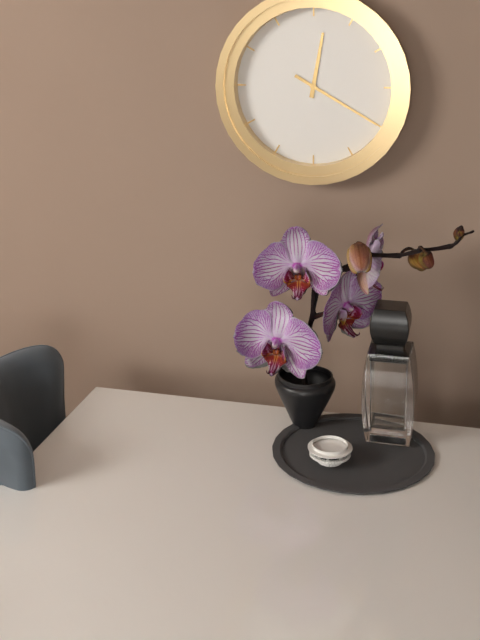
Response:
12.20
